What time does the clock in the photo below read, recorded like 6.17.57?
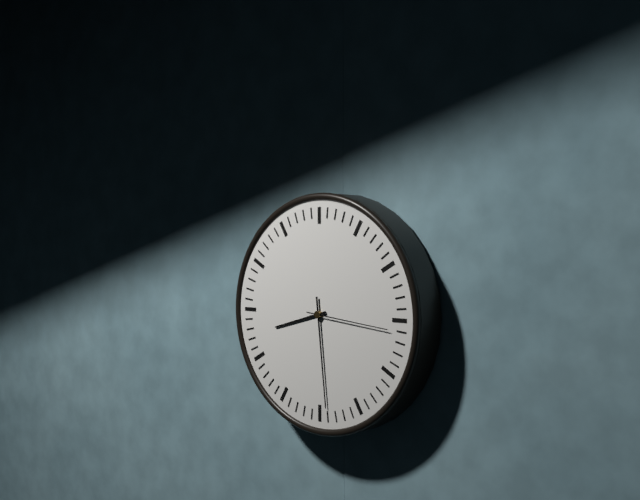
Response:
8.29.16
